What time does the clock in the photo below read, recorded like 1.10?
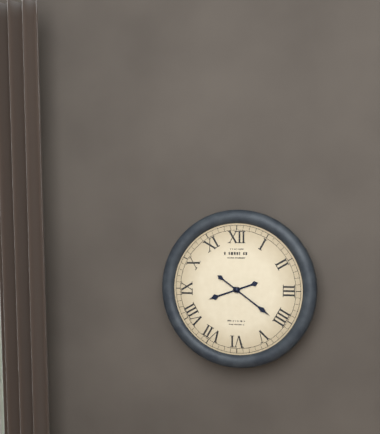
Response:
8.21
